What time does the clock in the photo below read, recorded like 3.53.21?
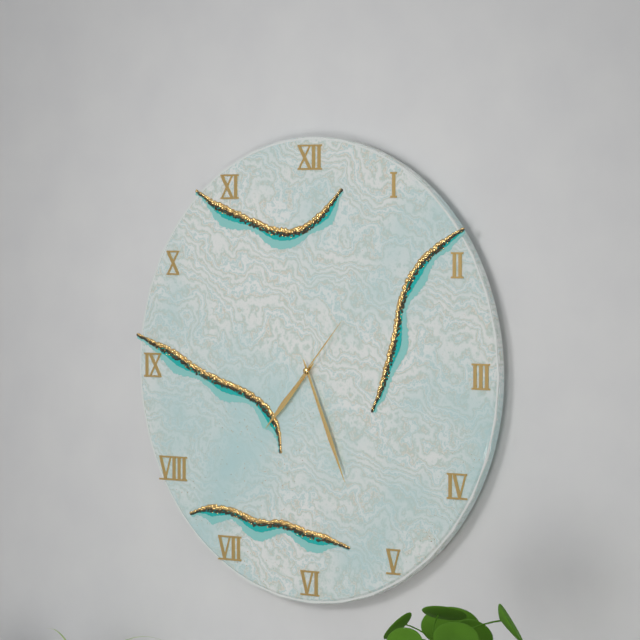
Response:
7.26.07
